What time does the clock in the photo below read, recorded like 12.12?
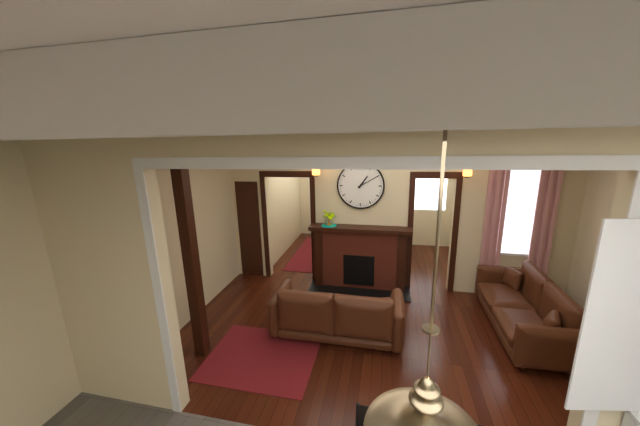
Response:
1.10
